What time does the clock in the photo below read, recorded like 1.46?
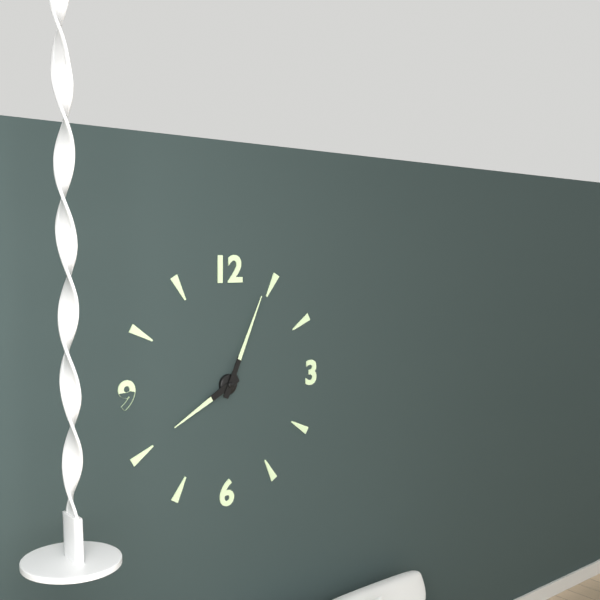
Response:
8.04
